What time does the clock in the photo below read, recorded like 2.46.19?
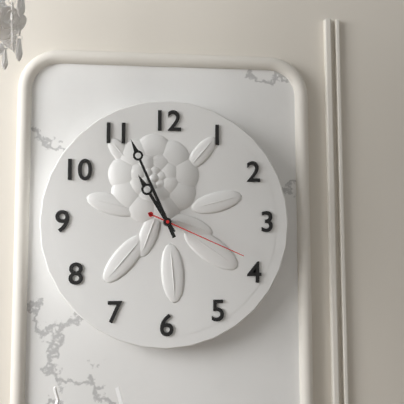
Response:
10.56.19
